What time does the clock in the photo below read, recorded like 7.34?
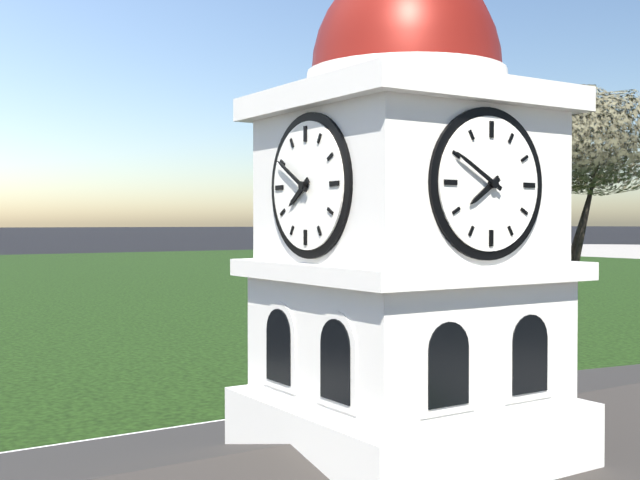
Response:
7.50
